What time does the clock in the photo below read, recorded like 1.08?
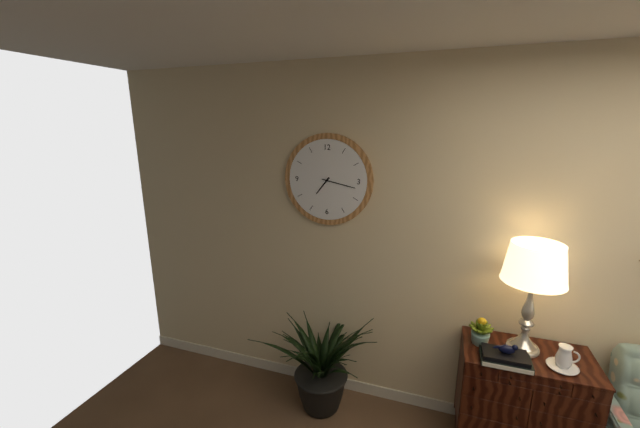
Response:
7.17
